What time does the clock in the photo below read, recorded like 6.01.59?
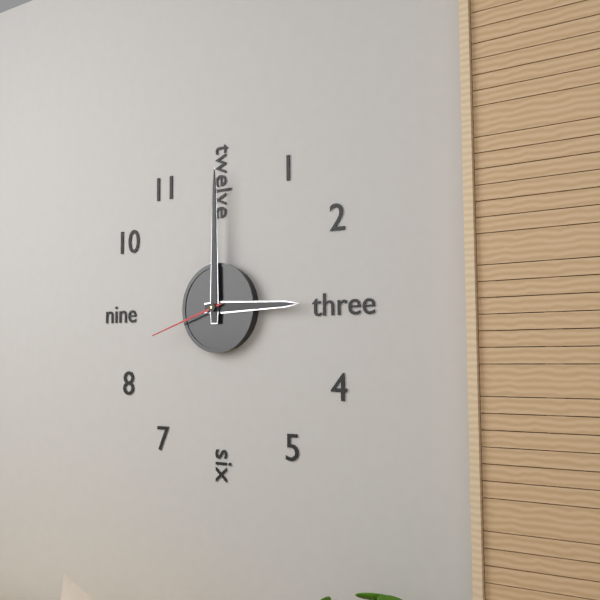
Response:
3.00.42
